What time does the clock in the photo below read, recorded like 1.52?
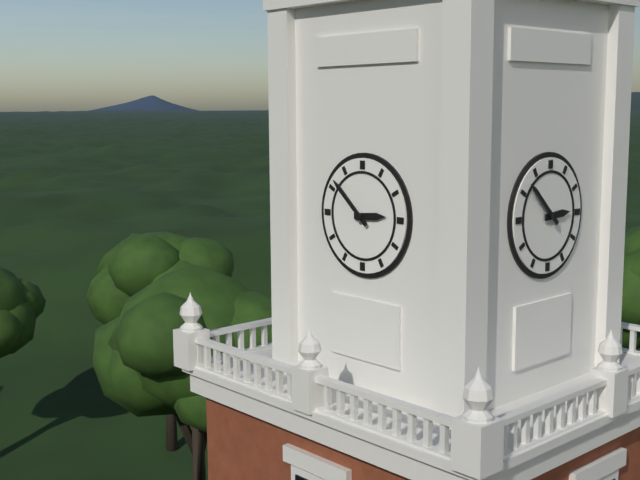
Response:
2.52
